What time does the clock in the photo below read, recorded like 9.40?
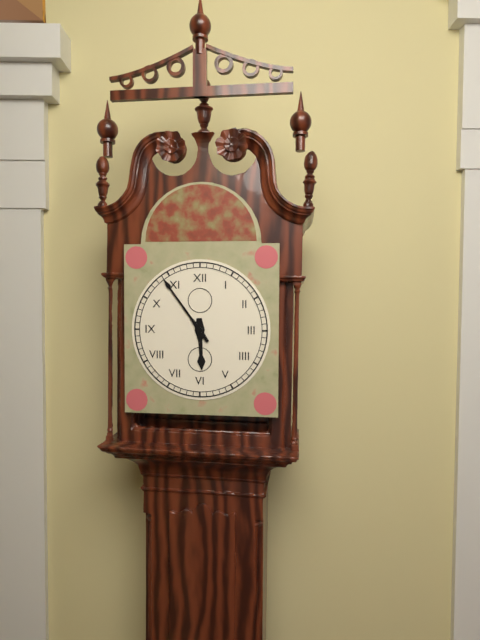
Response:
5.54
